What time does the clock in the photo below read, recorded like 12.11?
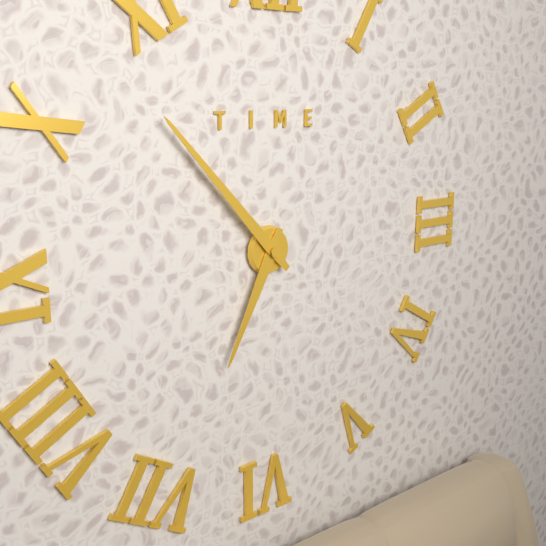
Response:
6.53
